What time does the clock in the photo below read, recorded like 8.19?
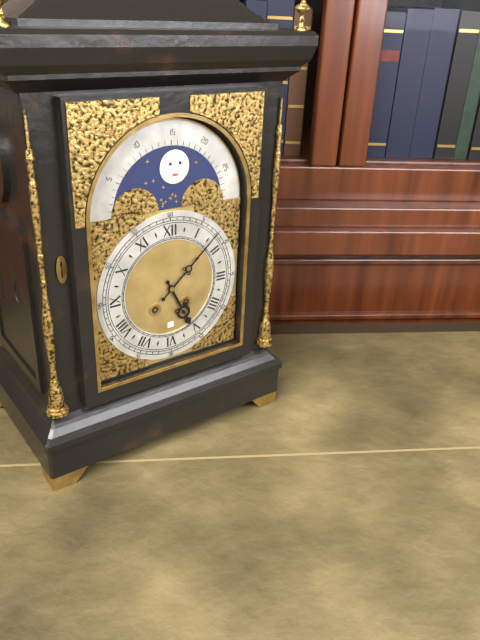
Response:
5.08
